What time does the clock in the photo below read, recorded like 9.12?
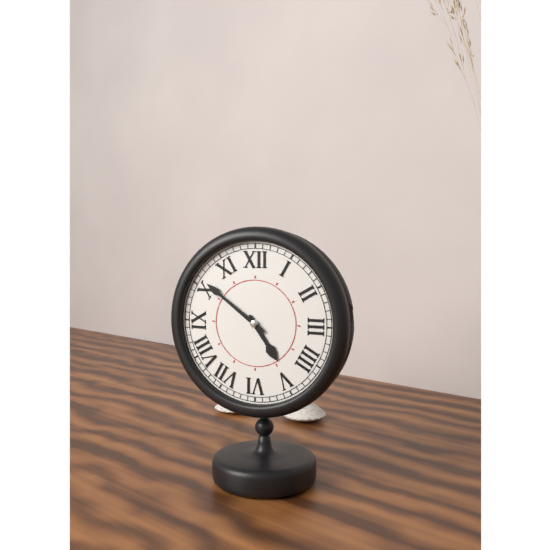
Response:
4.51
